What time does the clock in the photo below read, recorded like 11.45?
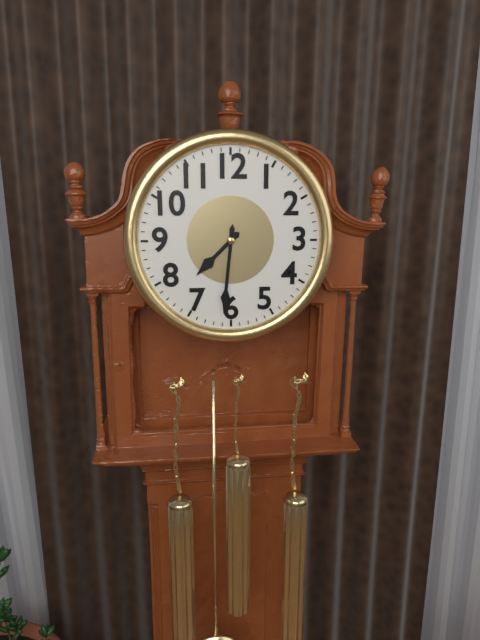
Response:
7.31
